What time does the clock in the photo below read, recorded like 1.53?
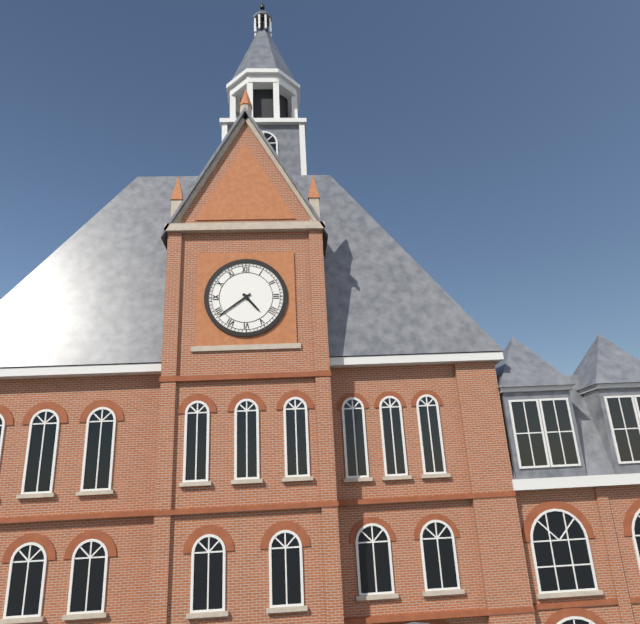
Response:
4.39
